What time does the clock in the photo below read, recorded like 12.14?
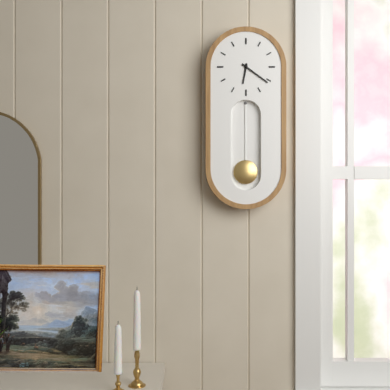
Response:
6.21
